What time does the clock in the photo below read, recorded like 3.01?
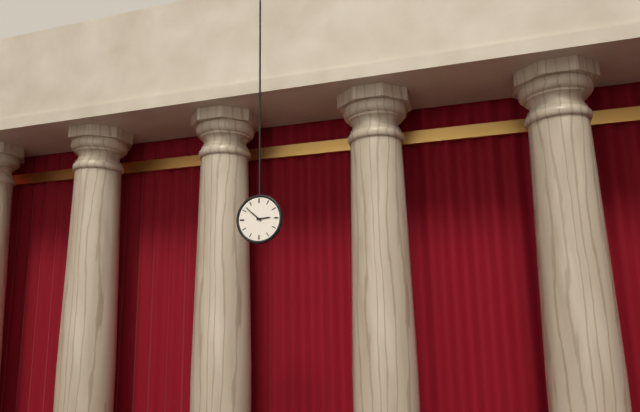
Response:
2.52
